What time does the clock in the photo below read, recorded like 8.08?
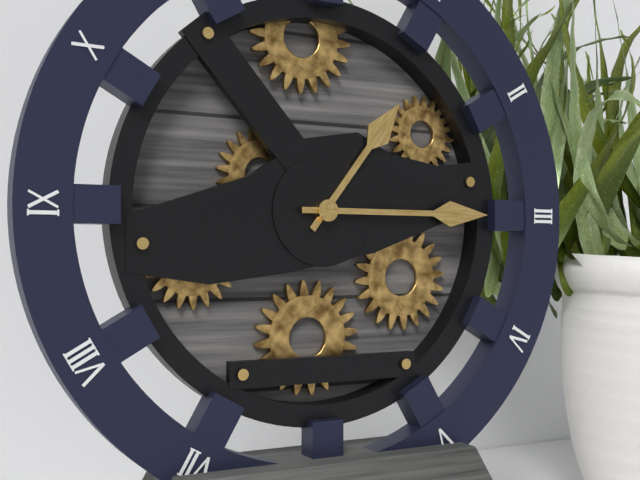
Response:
1.15
